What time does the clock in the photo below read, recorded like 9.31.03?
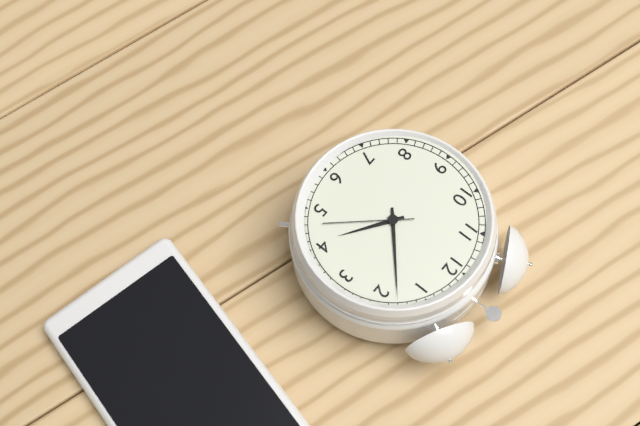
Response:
4.08.23
